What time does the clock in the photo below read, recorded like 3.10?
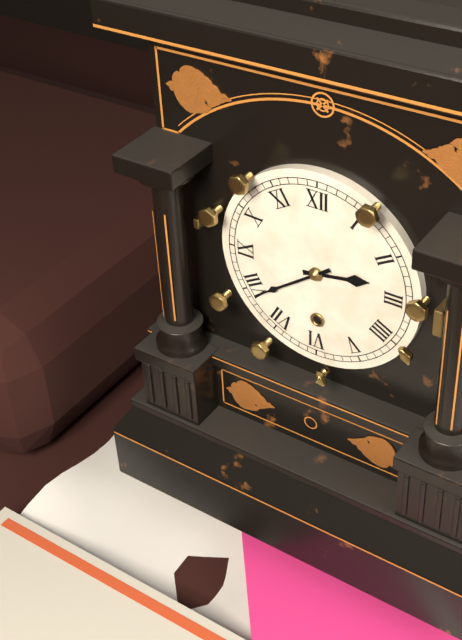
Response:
2.39
